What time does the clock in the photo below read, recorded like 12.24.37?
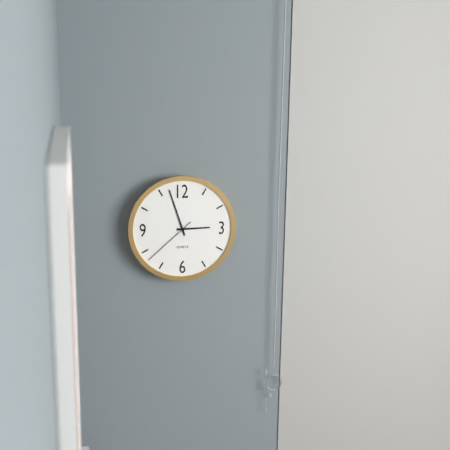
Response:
2.57.38
